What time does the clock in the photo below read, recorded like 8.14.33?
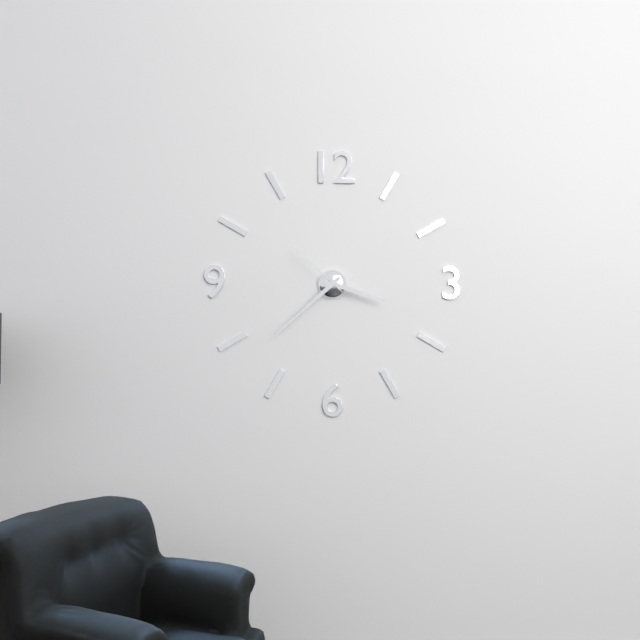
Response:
3.38.52
